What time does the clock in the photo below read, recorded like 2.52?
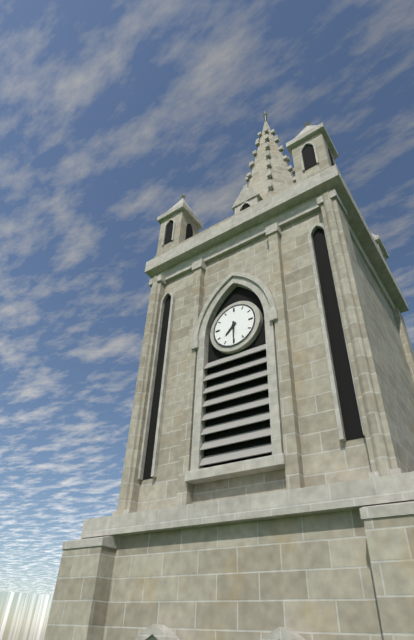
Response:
7.30
